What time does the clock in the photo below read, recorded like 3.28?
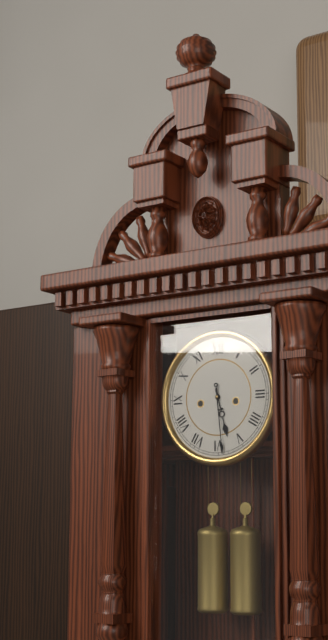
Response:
5.29
